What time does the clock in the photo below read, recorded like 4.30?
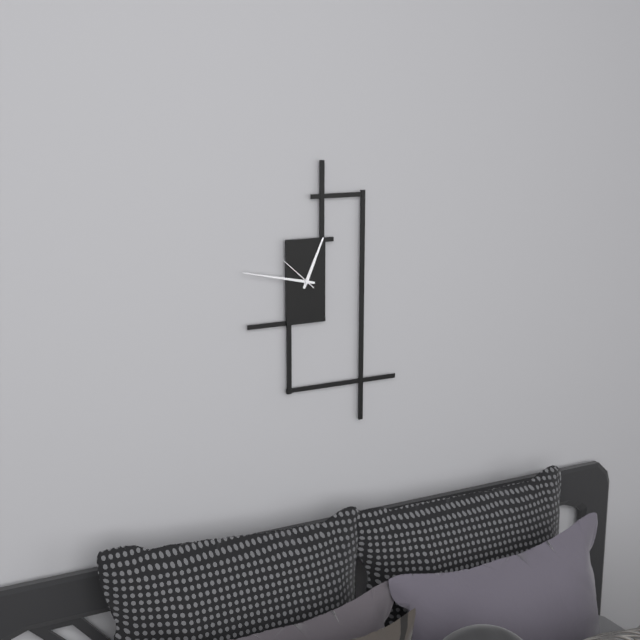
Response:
12.47
